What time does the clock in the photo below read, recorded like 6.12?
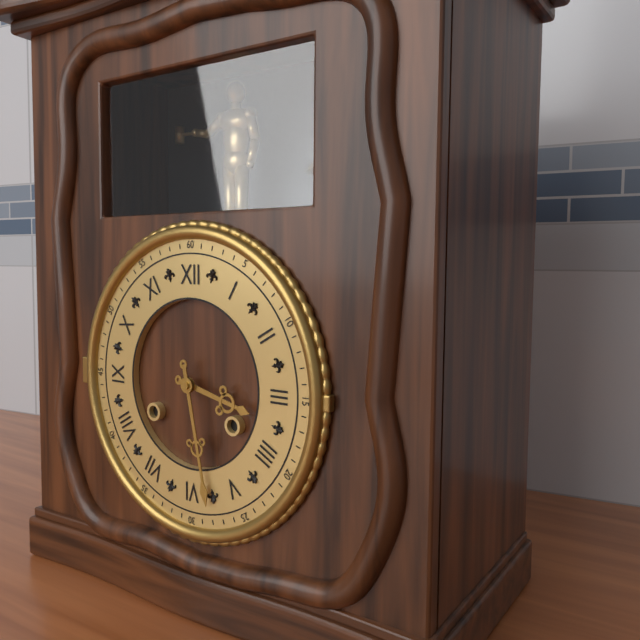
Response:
3.28
